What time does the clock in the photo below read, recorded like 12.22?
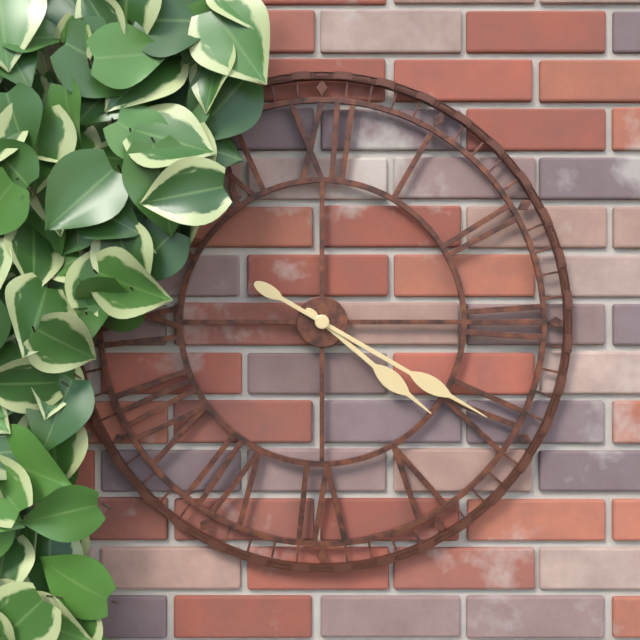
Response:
4.20
